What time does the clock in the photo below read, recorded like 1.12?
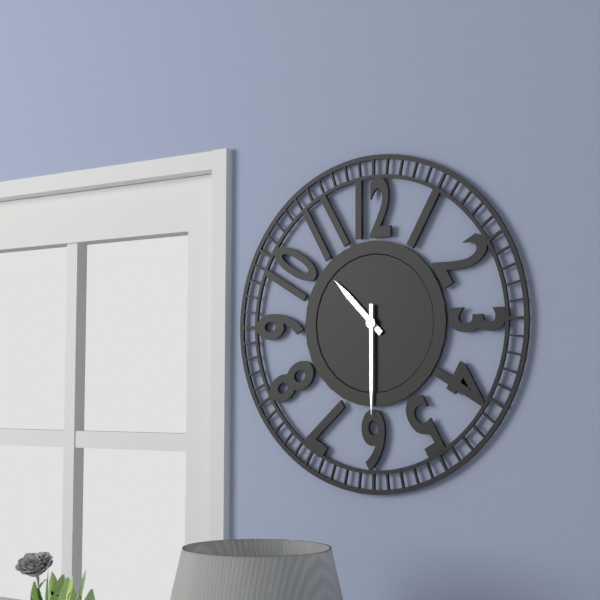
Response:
10.30
